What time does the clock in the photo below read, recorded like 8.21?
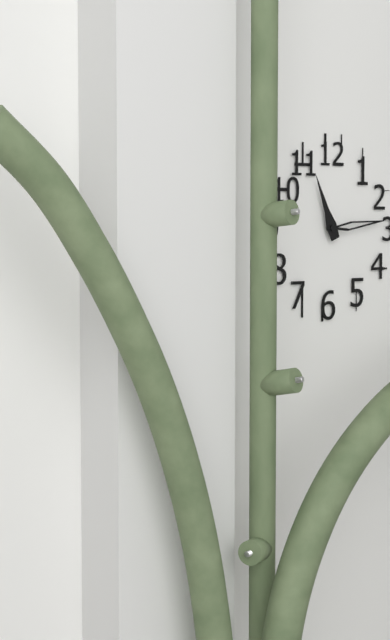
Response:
11.14
